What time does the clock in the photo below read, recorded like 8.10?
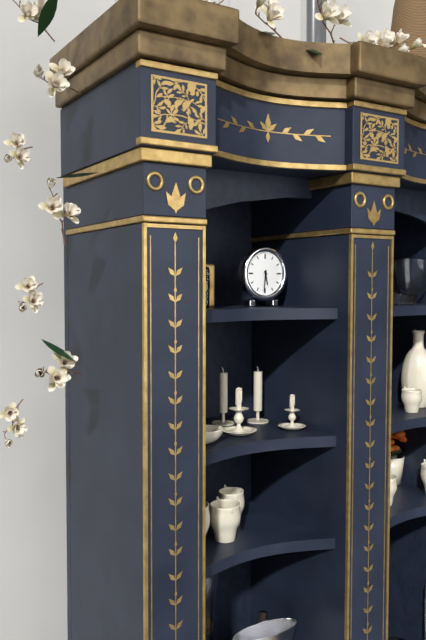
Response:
5.31
